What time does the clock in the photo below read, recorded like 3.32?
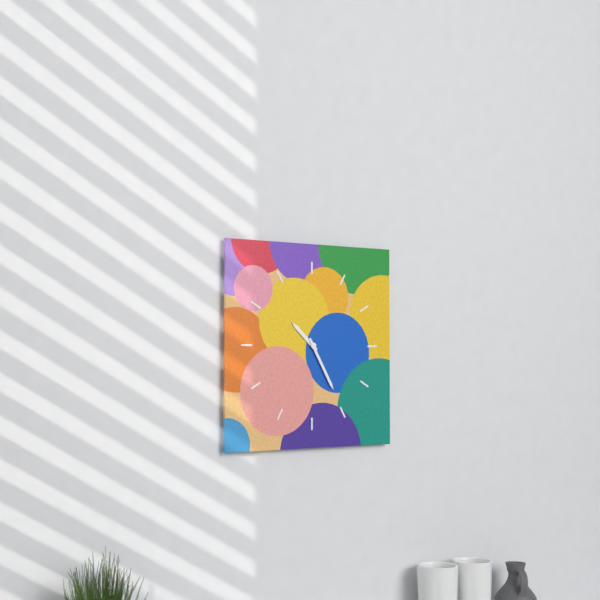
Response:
10.25
